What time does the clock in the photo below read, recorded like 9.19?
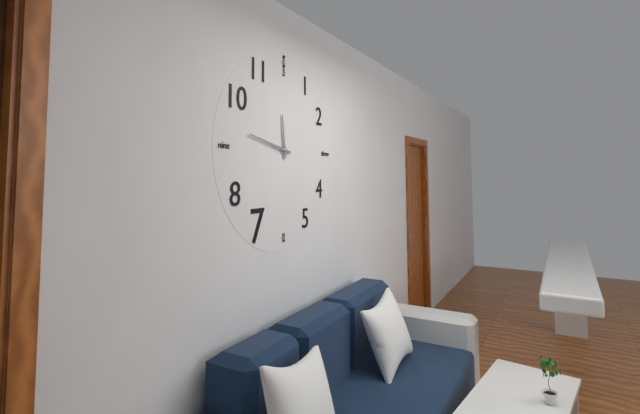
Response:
11.47
